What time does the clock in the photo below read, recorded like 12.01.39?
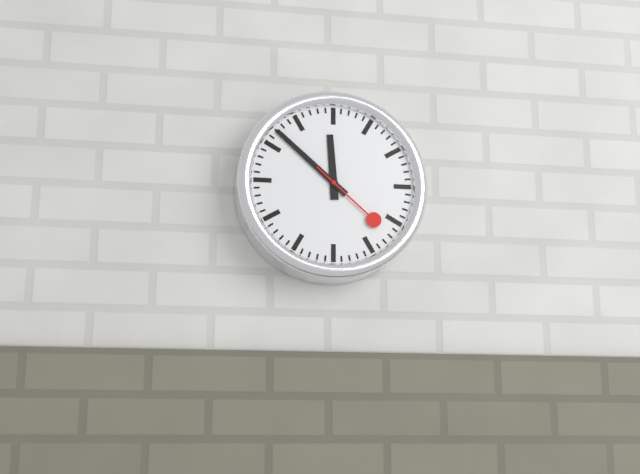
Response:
11.52.22
